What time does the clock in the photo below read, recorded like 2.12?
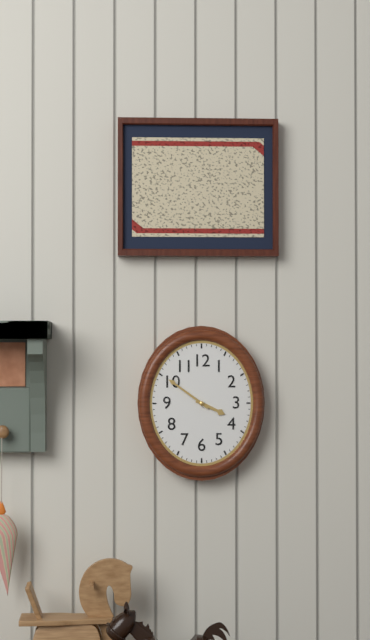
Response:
3.51
